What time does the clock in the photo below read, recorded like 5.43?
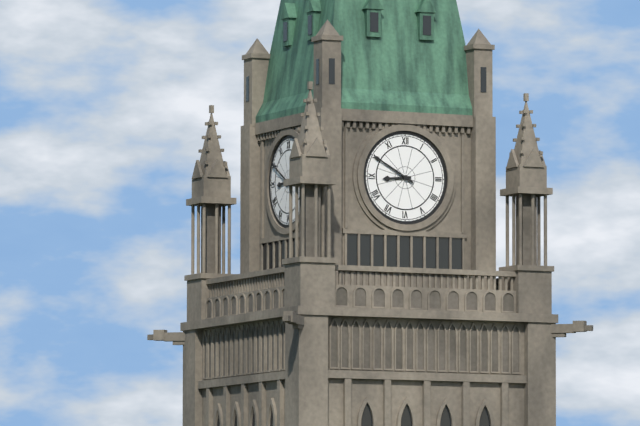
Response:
8.50
